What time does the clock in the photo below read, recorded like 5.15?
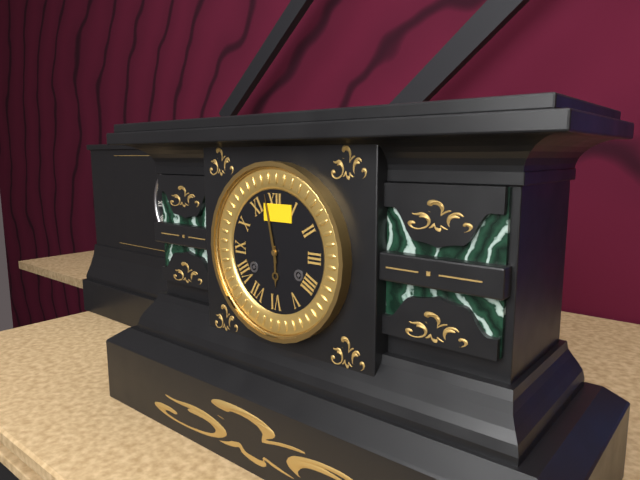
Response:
5.58
